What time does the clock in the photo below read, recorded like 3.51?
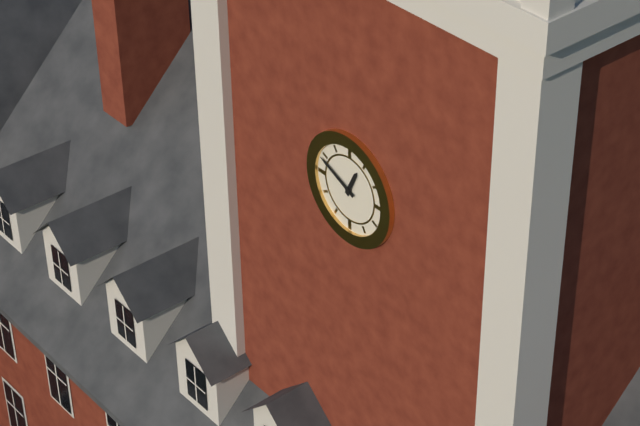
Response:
12.49
